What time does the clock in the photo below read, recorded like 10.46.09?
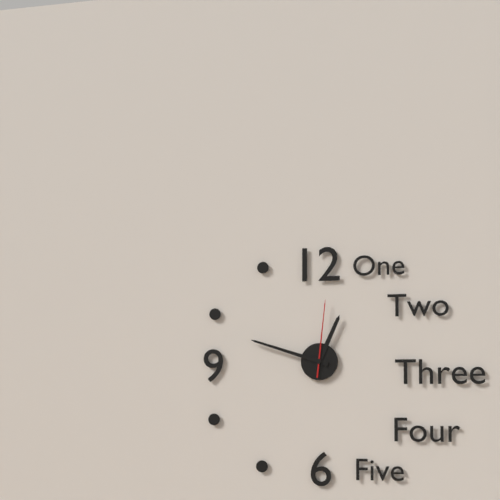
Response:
12.48.01
